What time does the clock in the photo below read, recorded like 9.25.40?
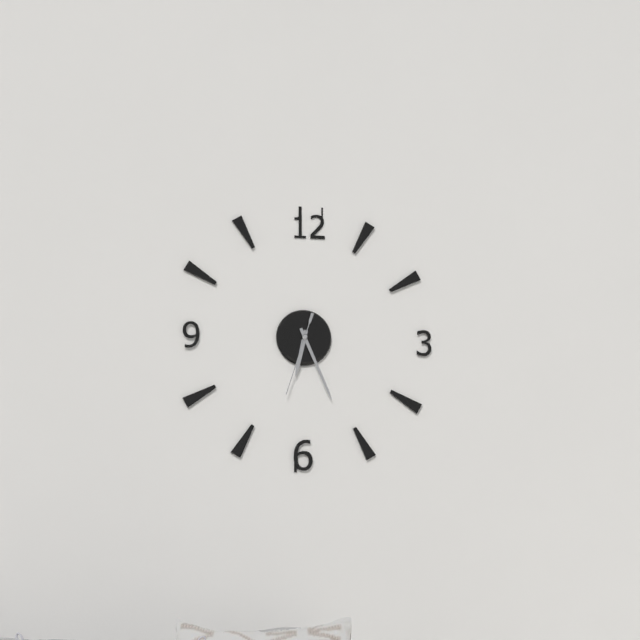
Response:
6.26.33
